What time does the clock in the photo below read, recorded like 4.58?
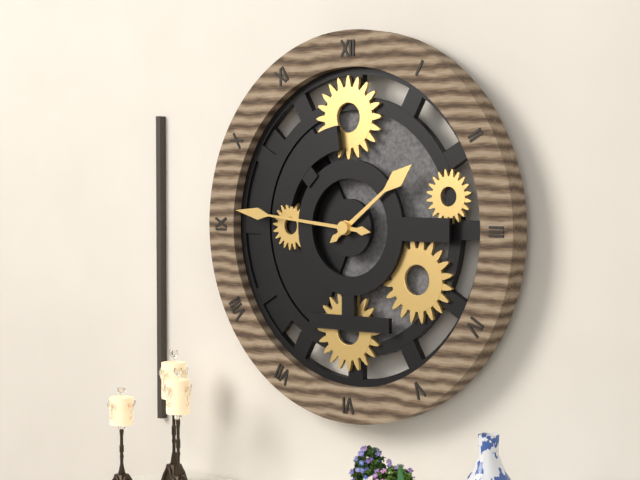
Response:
1.46
